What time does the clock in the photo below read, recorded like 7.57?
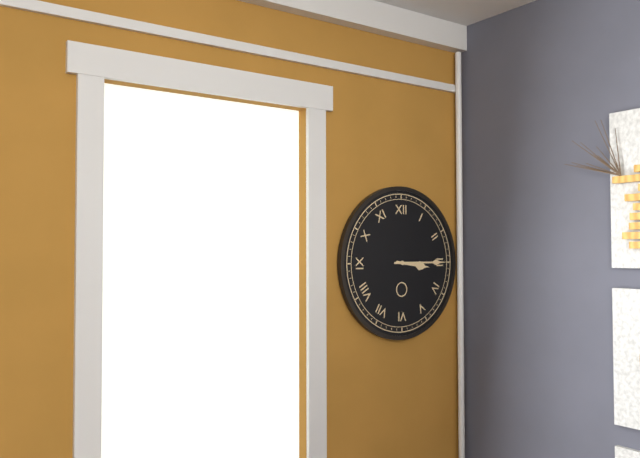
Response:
3.15
